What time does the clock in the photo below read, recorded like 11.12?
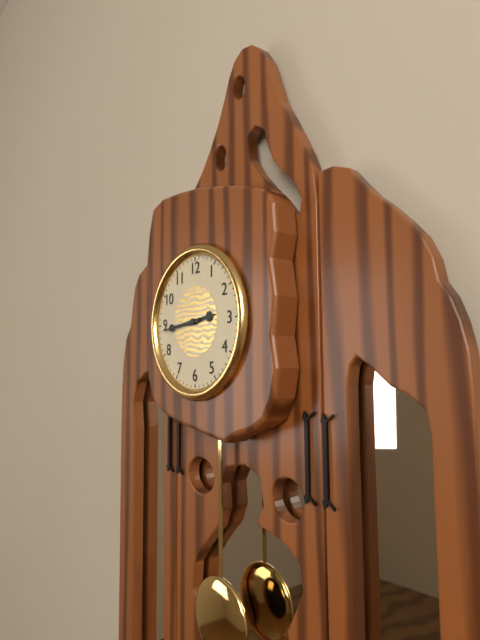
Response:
2.44
